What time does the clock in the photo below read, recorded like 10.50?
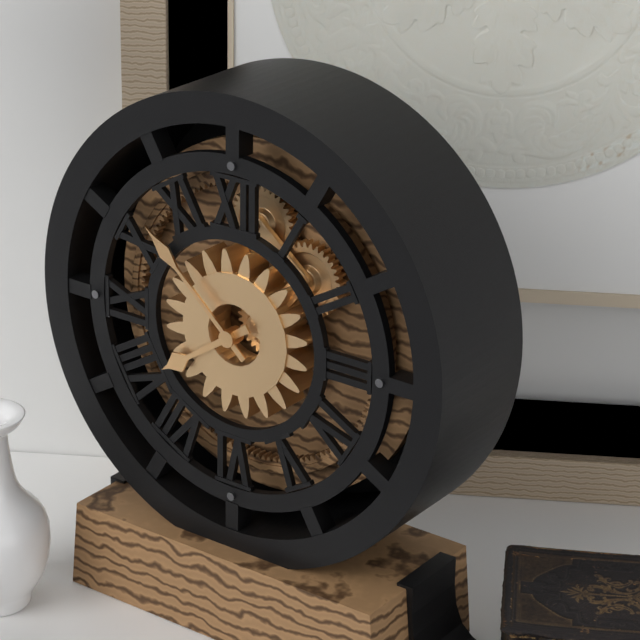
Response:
7.52
